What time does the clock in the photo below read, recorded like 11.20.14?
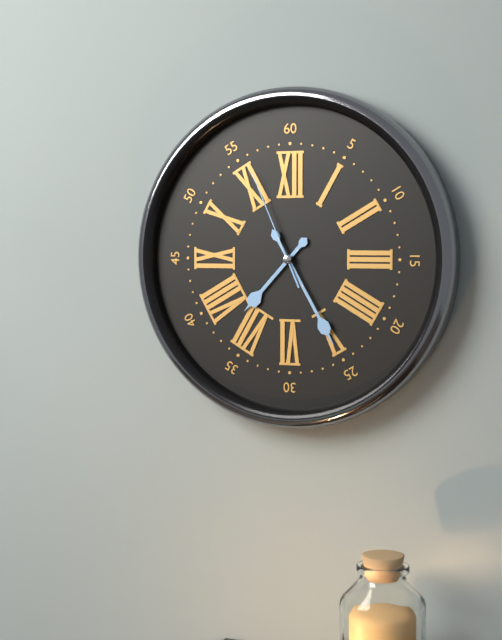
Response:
7.25.56
